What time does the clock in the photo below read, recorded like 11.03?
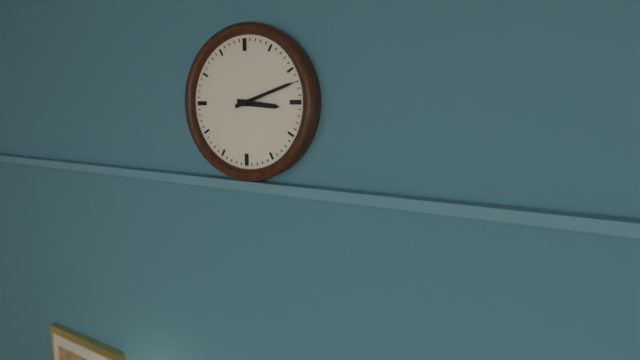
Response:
3.12
